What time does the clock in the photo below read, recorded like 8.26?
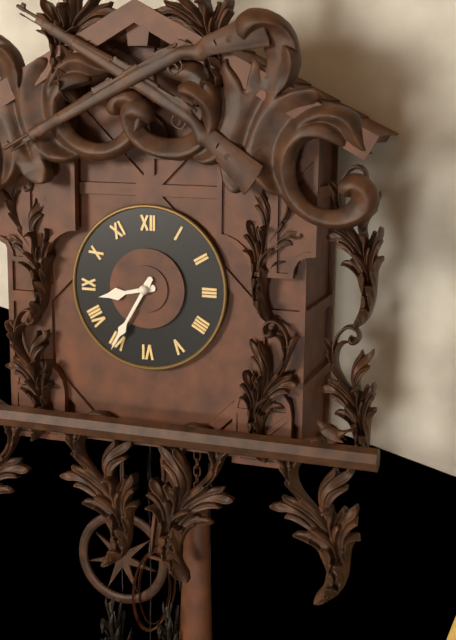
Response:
8.35
